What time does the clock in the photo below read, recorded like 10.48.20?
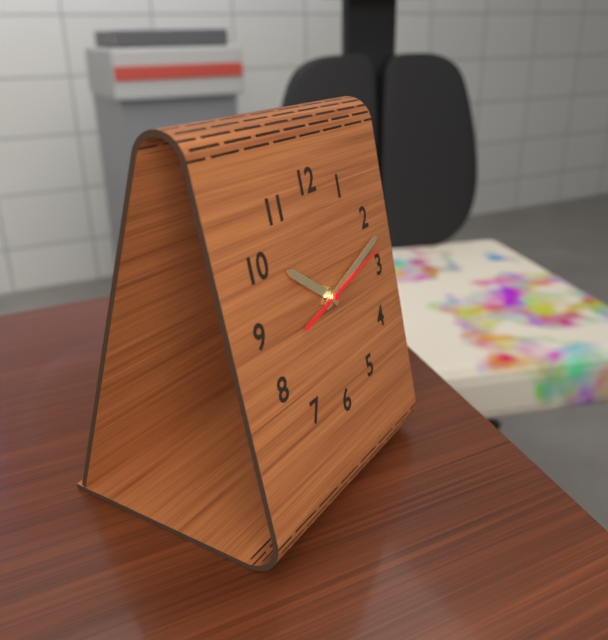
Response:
10.12.13
